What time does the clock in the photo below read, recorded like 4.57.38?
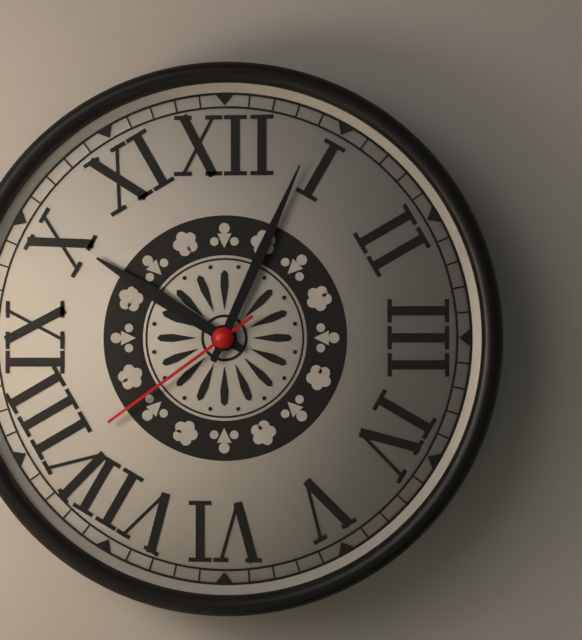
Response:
10.04.39
